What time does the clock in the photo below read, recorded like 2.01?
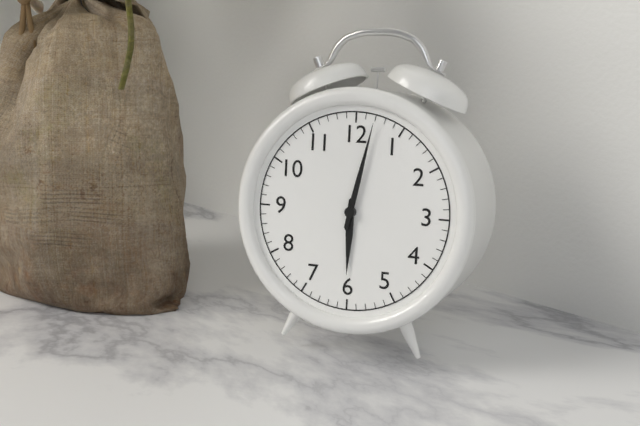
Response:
6.02
